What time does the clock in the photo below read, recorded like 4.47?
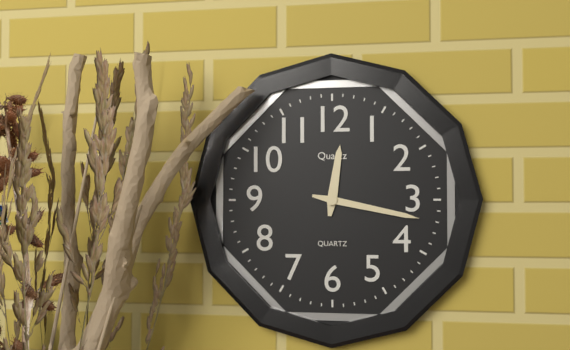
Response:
12.17
